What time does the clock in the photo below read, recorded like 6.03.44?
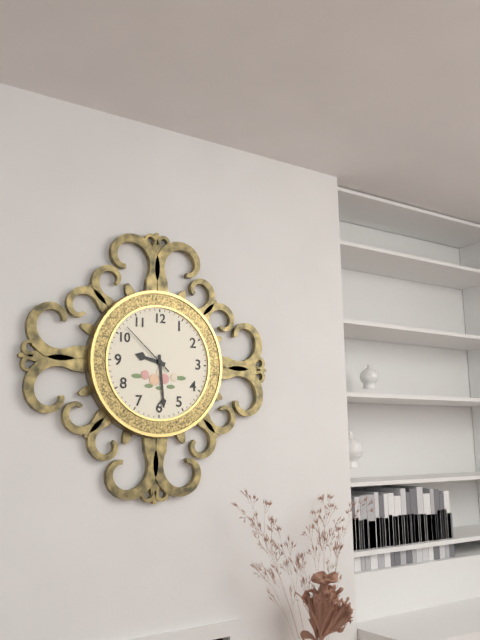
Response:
9.29.52
